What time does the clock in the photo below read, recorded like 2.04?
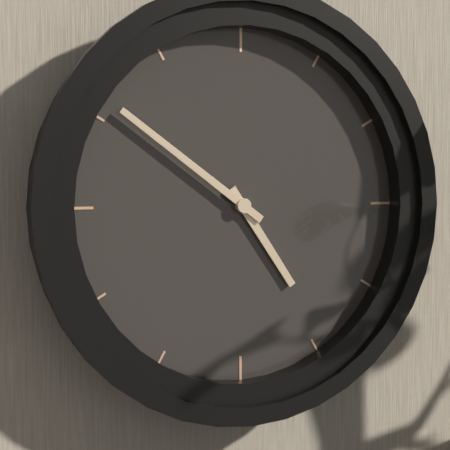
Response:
4.51
